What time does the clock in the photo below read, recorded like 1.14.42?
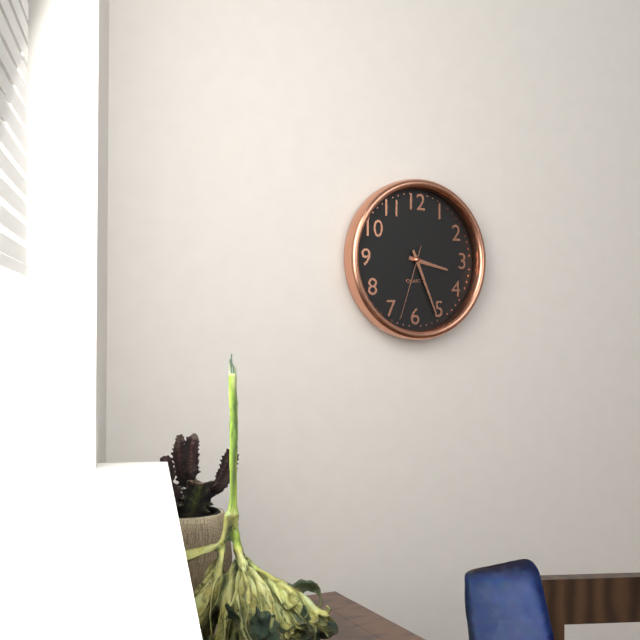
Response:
3.26.33
